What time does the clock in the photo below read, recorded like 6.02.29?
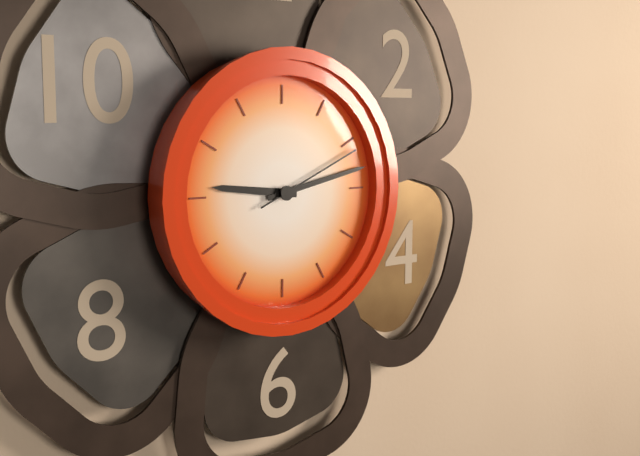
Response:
9.13.11
